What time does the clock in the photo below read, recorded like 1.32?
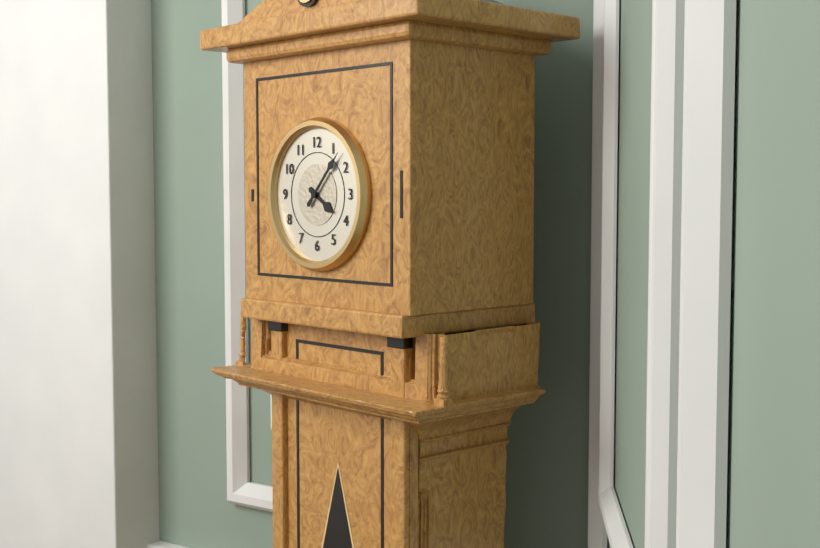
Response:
4.07
